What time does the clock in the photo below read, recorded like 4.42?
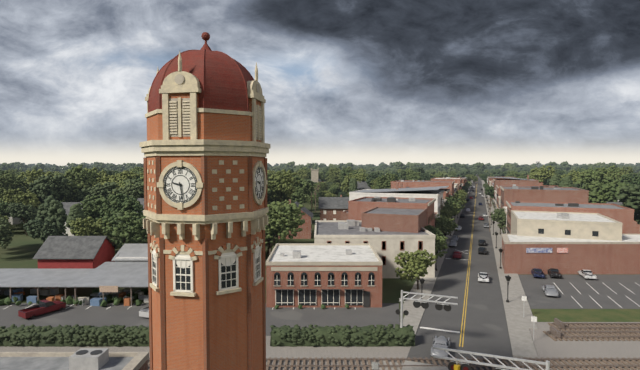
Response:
9.28
